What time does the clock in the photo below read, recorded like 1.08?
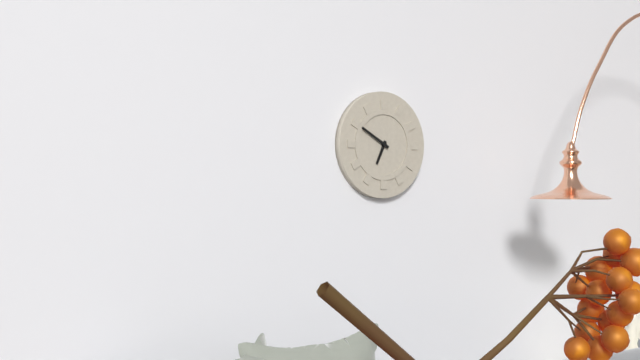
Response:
6.50
